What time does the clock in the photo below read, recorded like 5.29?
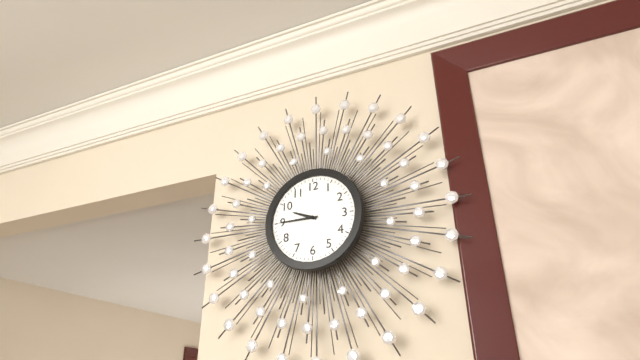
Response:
9.45
